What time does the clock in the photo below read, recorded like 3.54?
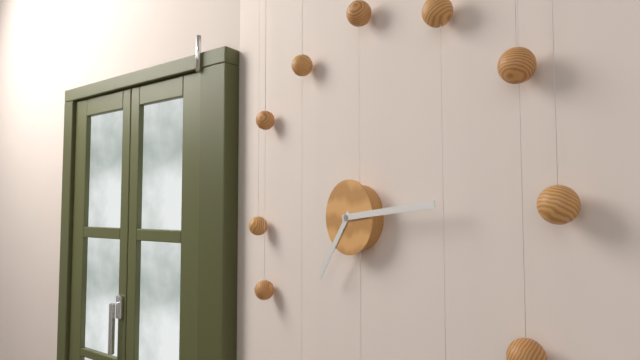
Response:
7.14
